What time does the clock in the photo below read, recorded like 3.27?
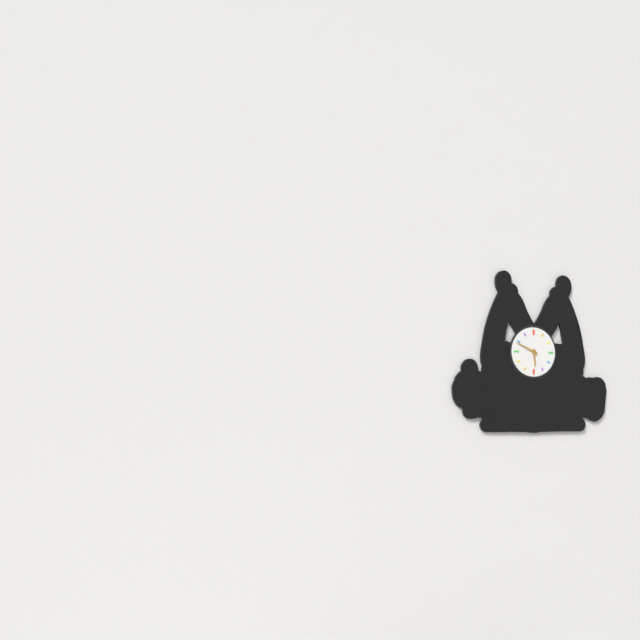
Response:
5.49
